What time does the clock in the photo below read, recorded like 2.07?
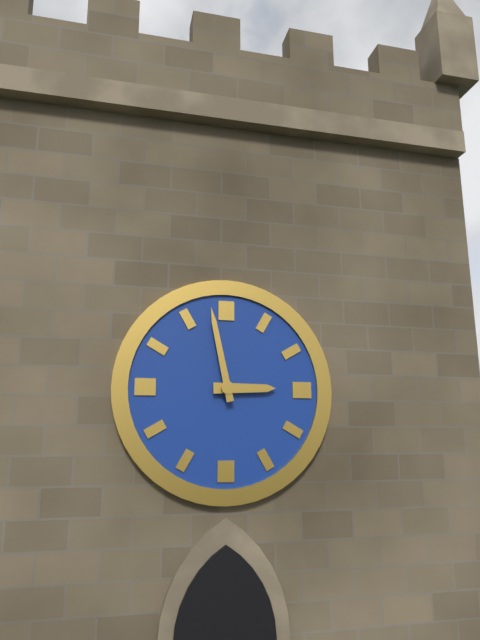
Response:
2.58
